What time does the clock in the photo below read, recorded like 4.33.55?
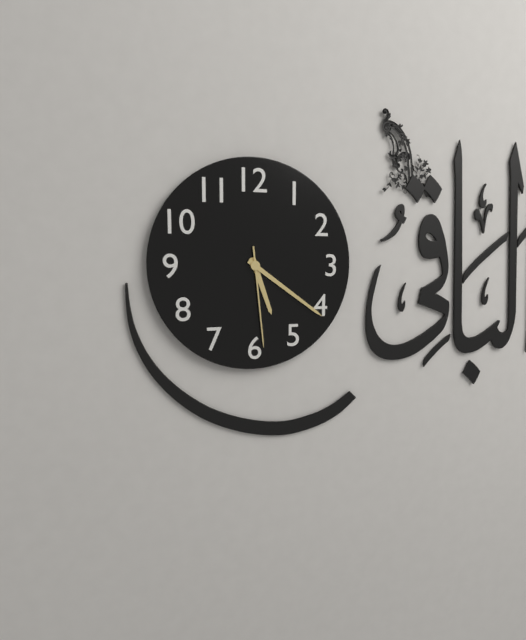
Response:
5.21.29
